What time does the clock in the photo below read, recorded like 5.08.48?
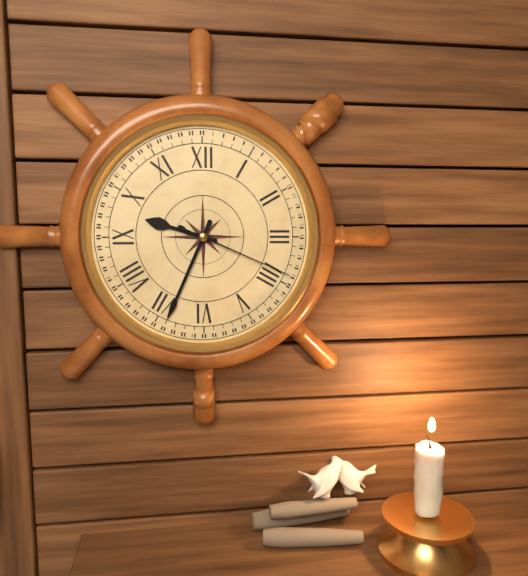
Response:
9.34.19
